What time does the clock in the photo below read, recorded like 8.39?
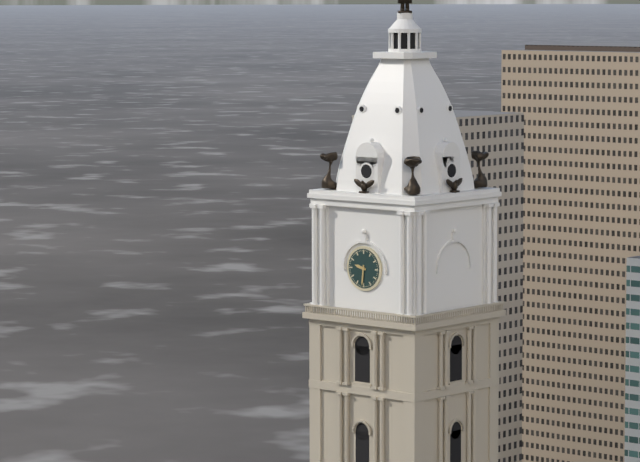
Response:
9.31
